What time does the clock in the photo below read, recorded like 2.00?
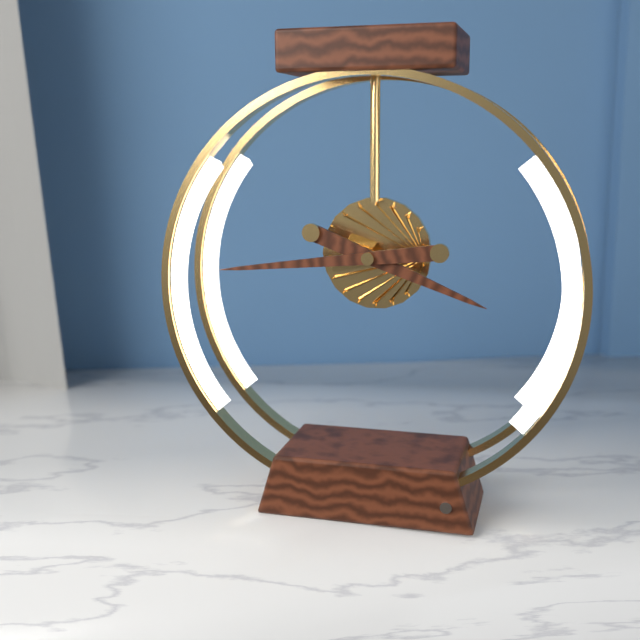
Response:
3.44
